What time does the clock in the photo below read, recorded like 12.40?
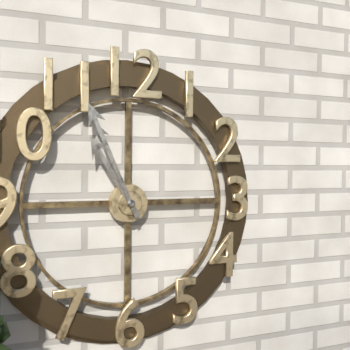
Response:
10.56
